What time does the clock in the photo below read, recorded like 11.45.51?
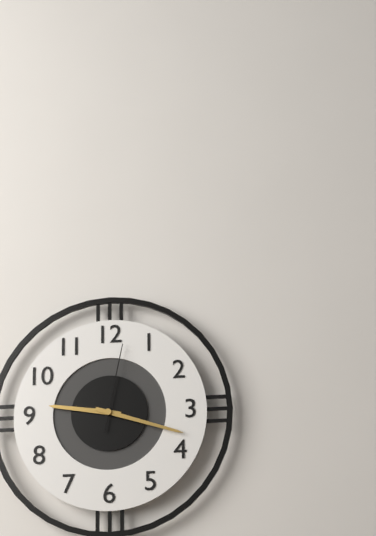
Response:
9.18.02
